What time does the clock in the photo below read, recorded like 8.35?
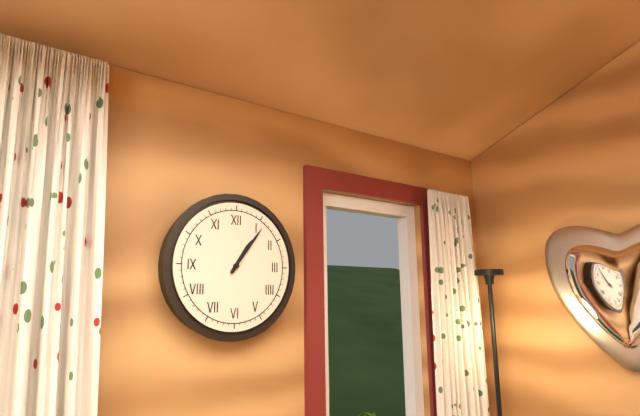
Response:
1.06
